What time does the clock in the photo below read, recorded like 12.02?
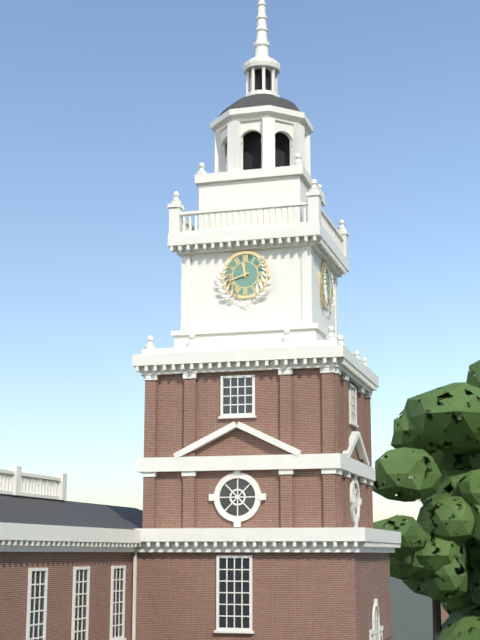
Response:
11.42
